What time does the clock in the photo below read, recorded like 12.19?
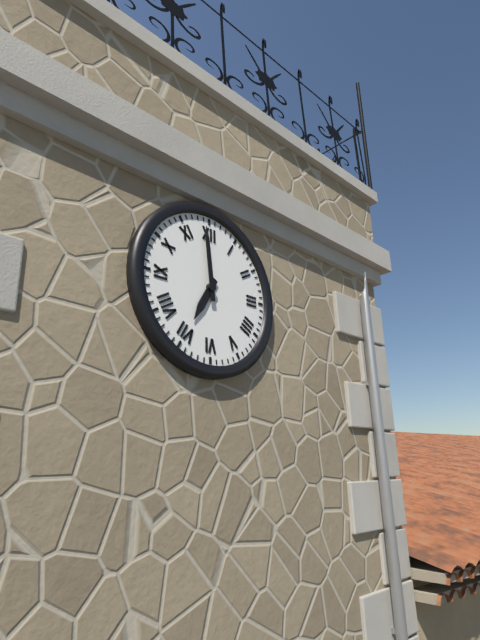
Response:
6.59
